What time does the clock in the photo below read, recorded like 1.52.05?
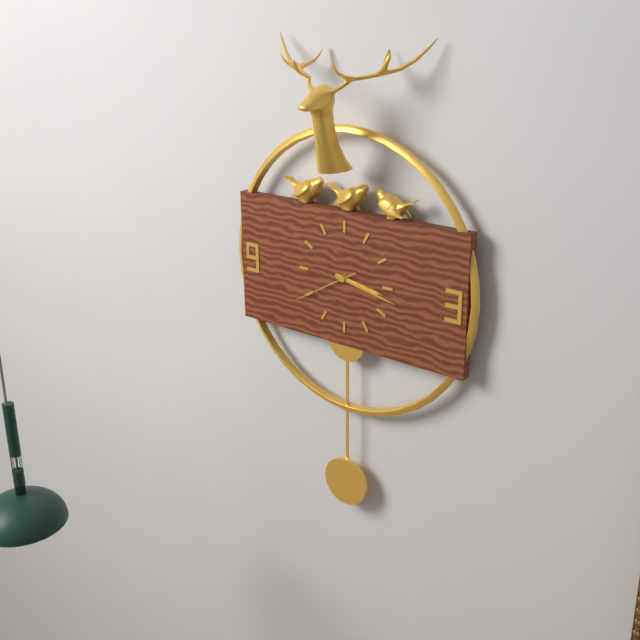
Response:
3.17.40
